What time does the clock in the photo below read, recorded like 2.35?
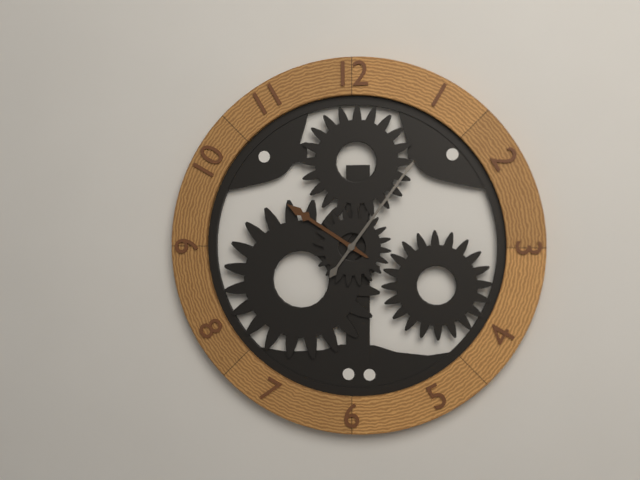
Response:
10.06
